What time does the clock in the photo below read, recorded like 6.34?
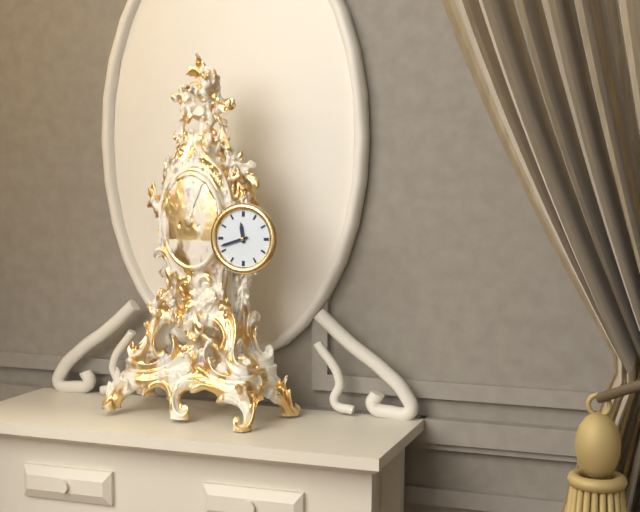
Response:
11.42
